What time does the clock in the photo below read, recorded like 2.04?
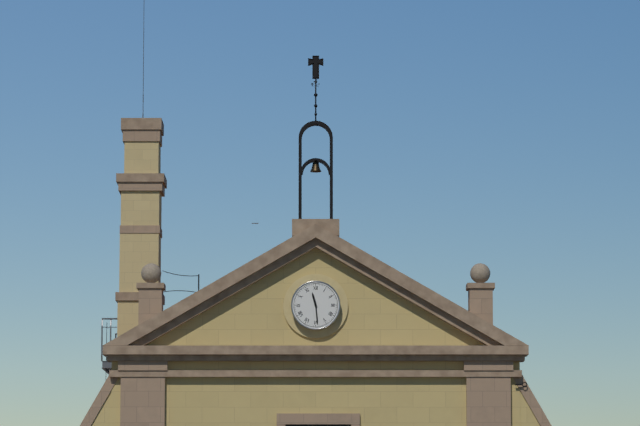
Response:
11.29
